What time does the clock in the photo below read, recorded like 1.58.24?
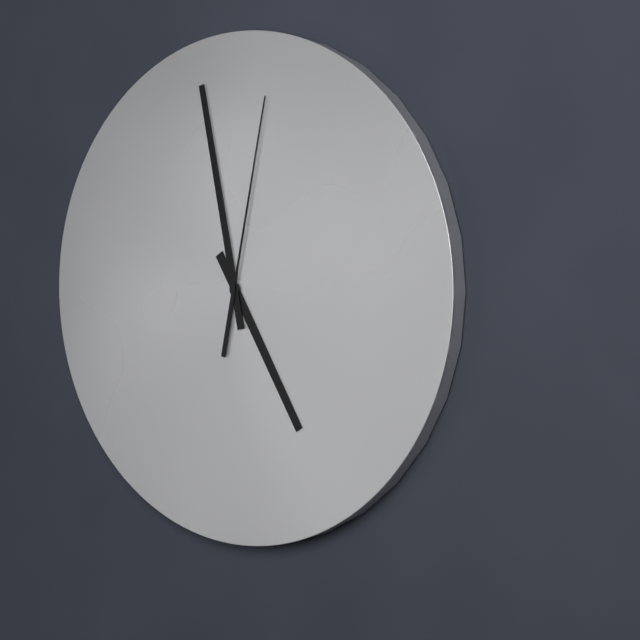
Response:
4.58.02
